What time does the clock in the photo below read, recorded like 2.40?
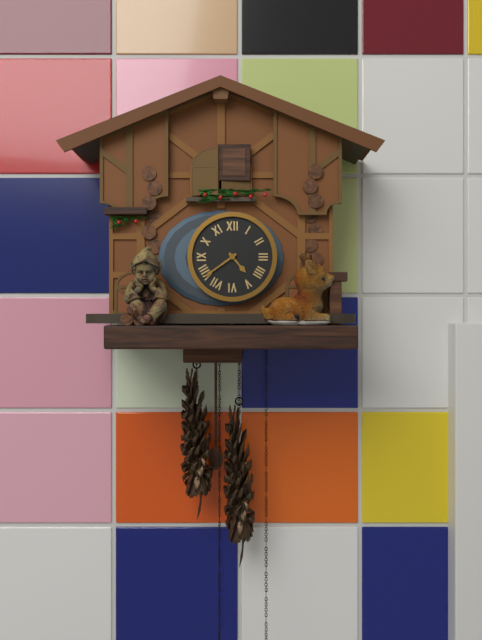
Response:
4.39
